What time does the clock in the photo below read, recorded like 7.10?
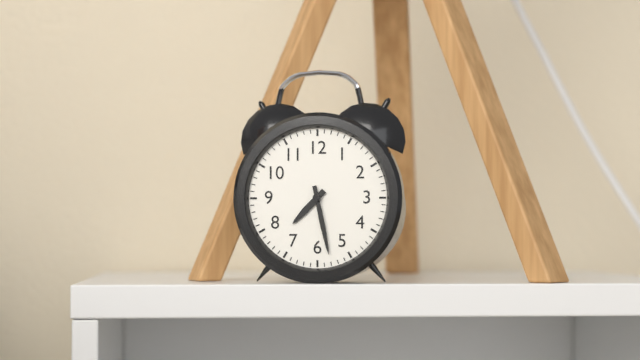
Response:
7.28
